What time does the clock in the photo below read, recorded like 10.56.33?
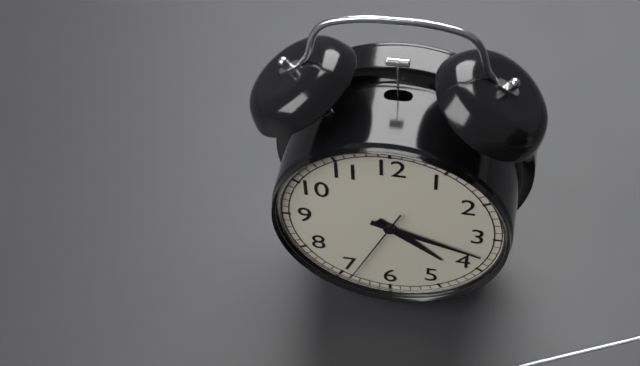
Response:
4.18.34
